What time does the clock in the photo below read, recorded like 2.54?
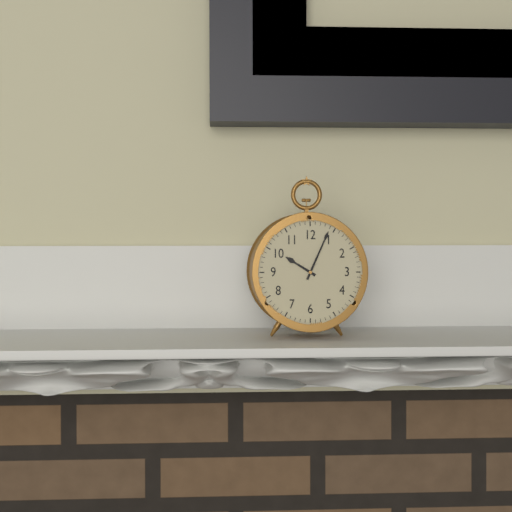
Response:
10.04
